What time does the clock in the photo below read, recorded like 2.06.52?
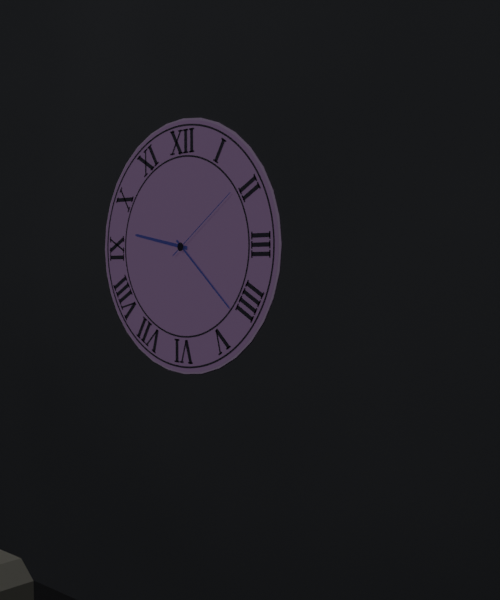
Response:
9.22.09
